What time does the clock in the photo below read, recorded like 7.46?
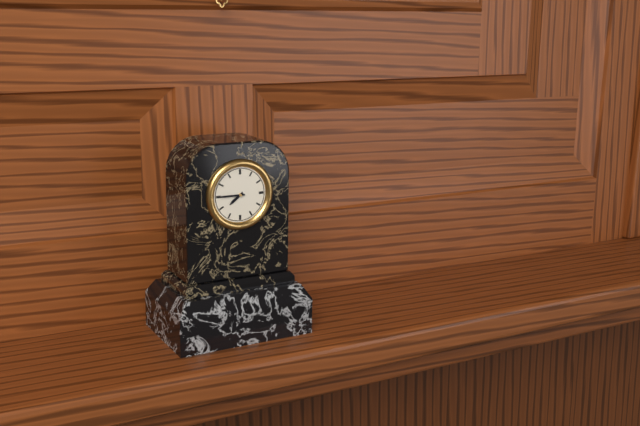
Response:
7.45
